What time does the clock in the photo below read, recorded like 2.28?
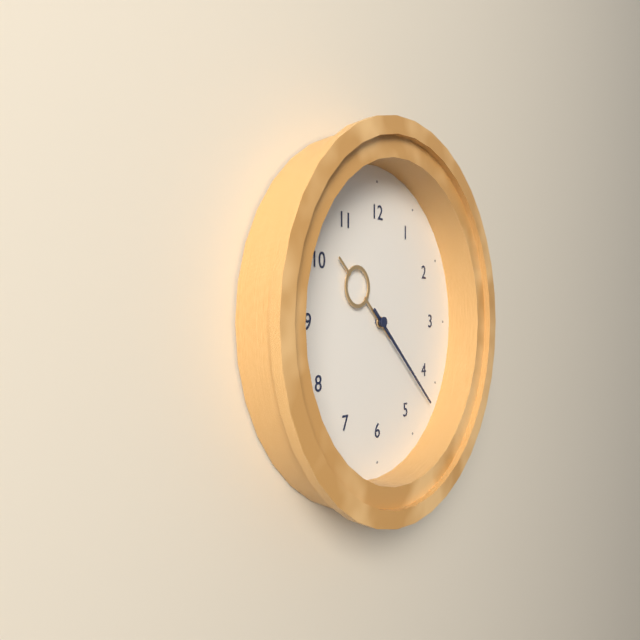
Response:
10.22
